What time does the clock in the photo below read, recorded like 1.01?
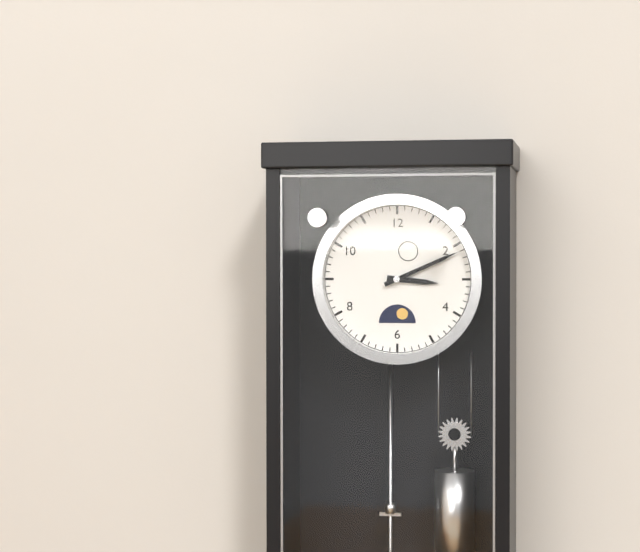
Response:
3.11
